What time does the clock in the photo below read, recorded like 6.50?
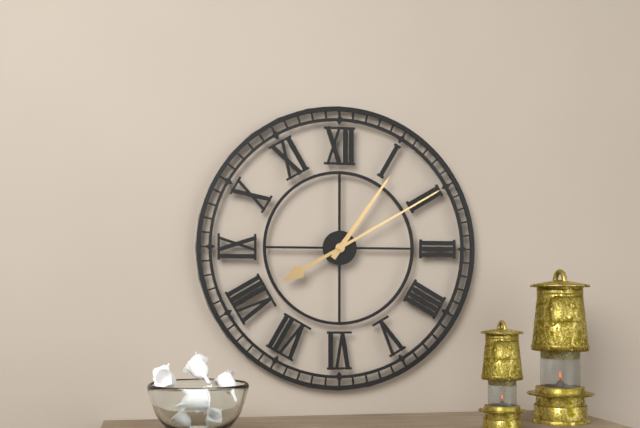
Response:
1.10
